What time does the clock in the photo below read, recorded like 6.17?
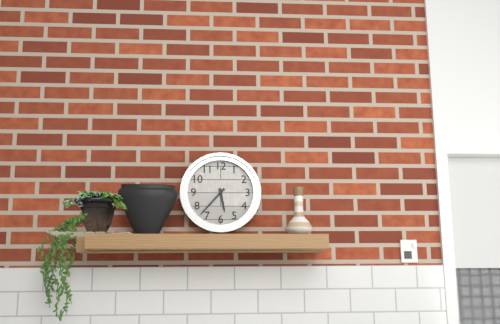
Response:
5.37
